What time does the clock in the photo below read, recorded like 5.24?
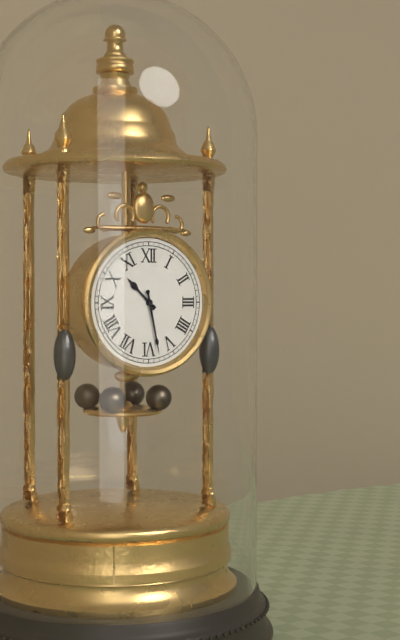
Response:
10.28
